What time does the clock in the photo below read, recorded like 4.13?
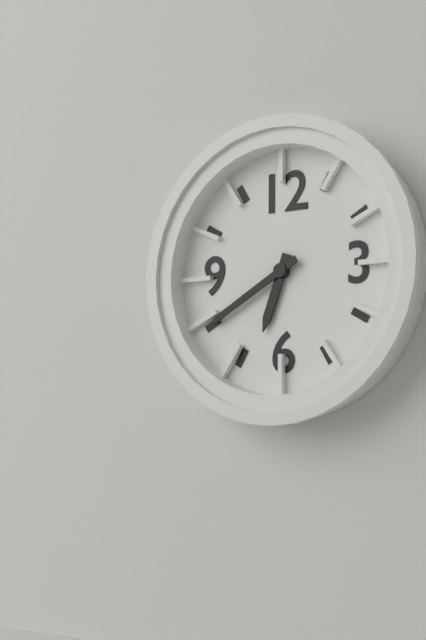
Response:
6.40
